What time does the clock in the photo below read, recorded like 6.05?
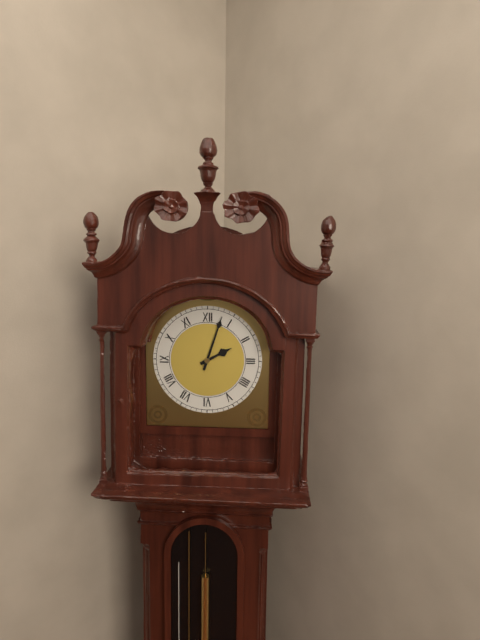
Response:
2.03
